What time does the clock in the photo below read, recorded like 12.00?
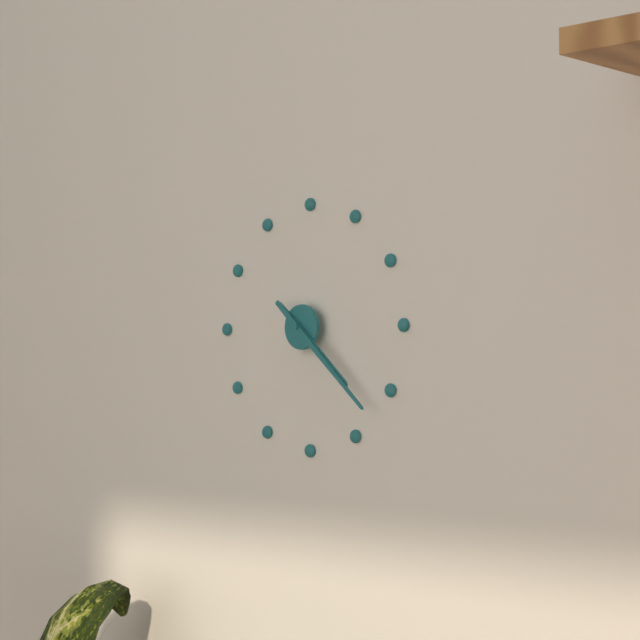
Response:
4.22
